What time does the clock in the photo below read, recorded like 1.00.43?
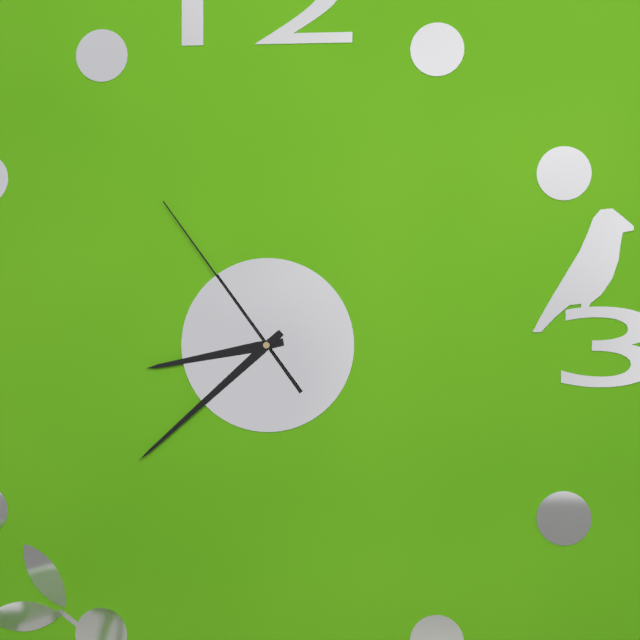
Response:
8.38.54
